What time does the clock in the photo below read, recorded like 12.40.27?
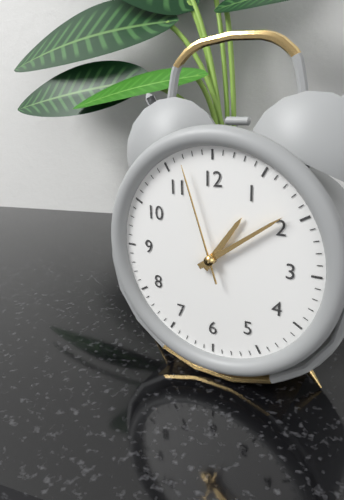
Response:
1.09.57
